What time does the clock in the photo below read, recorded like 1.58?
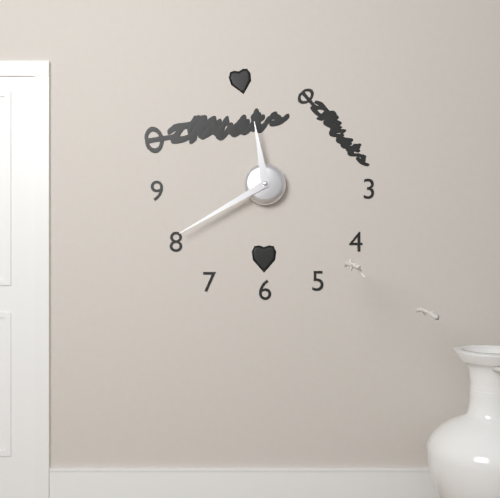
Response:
11.40
